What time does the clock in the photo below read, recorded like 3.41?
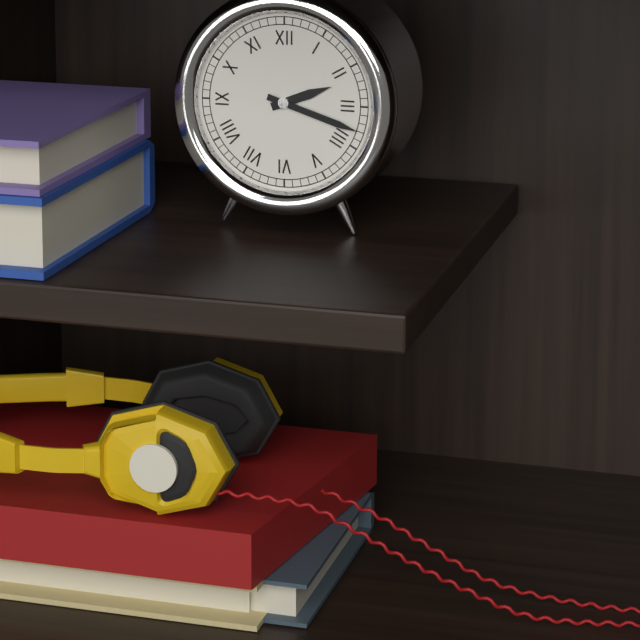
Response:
2.18
